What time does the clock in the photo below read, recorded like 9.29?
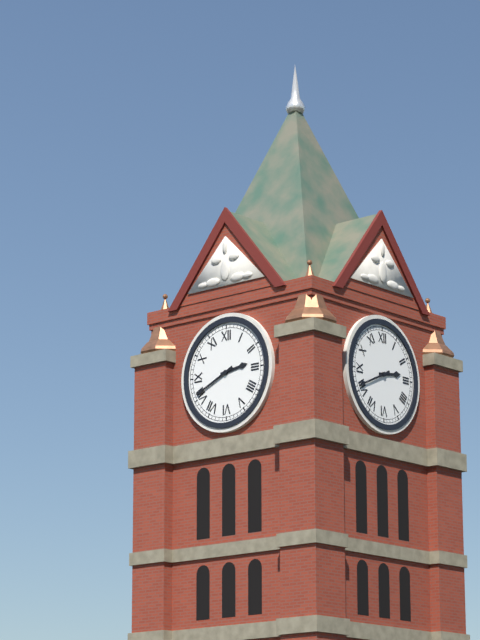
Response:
2.41
